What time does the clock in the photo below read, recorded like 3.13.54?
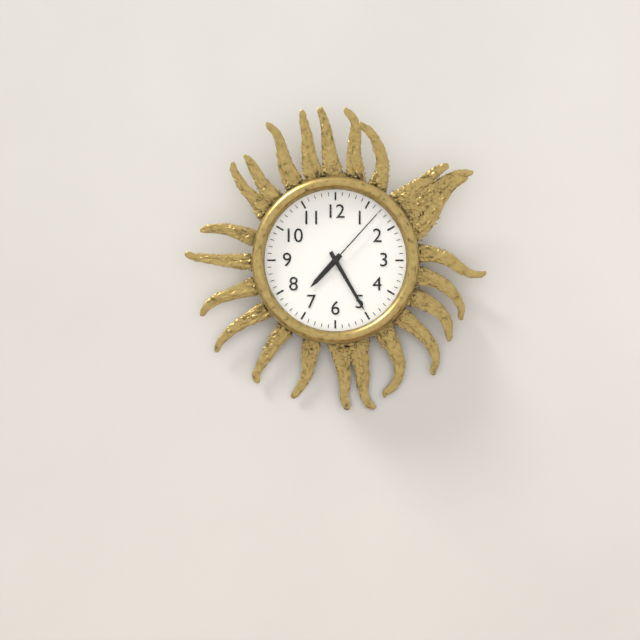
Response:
7.25.07
